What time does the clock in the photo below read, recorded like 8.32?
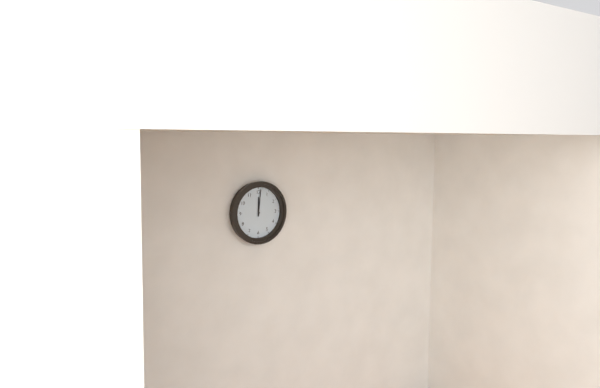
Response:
12.01
